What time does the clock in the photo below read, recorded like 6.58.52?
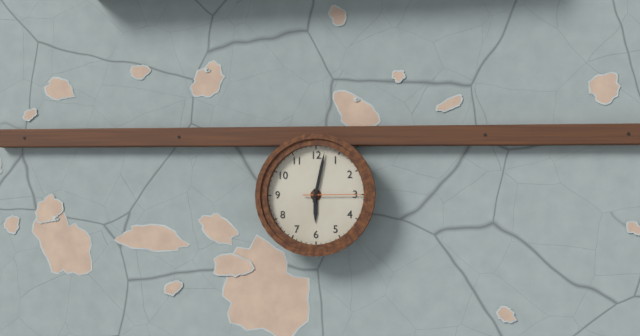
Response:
6.02.15
